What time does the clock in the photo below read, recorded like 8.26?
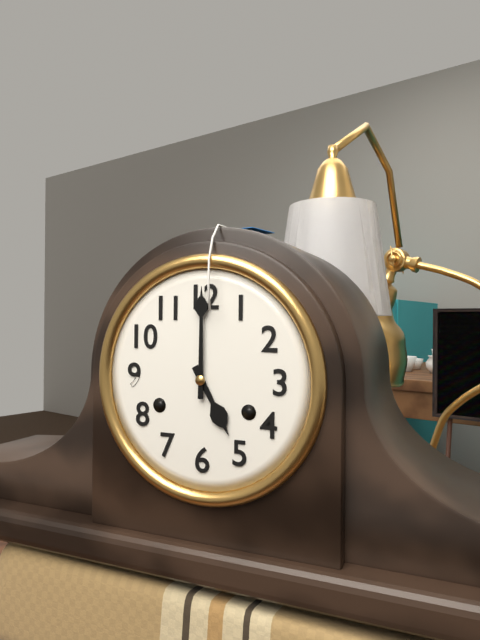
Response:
5.00
